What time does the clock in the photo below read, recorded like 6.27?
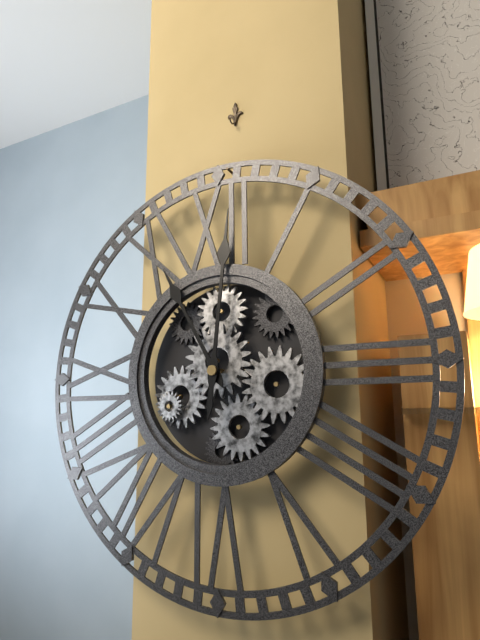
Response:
11.01
